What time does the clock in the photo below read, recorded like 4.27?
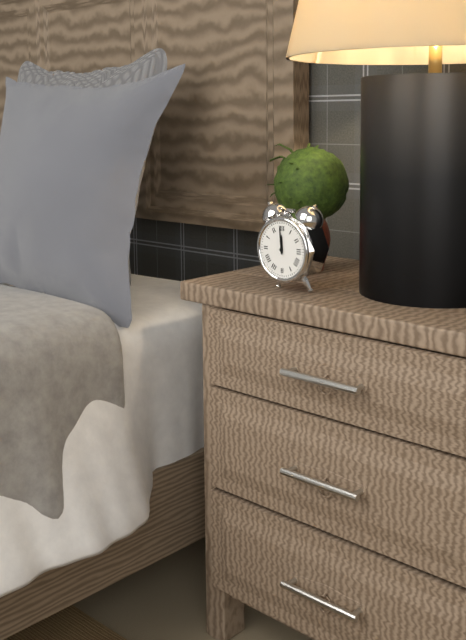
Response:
11.59
